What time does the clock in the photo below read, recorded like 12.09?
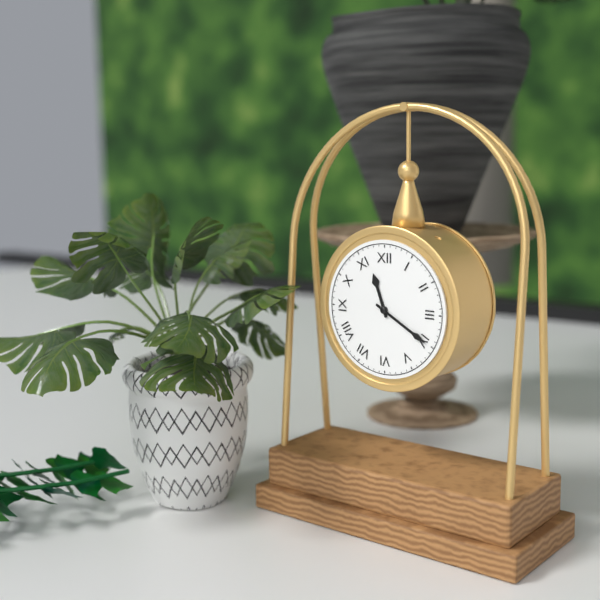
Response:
11.20
